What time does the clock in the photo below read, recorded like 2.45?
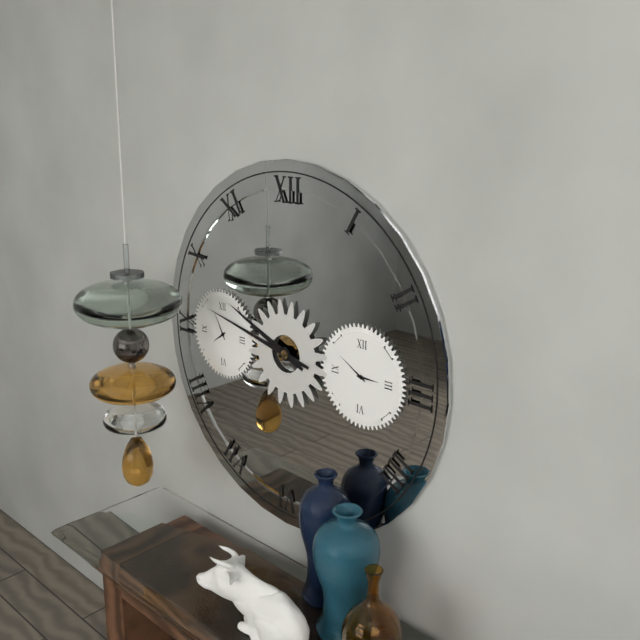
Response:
9.47
